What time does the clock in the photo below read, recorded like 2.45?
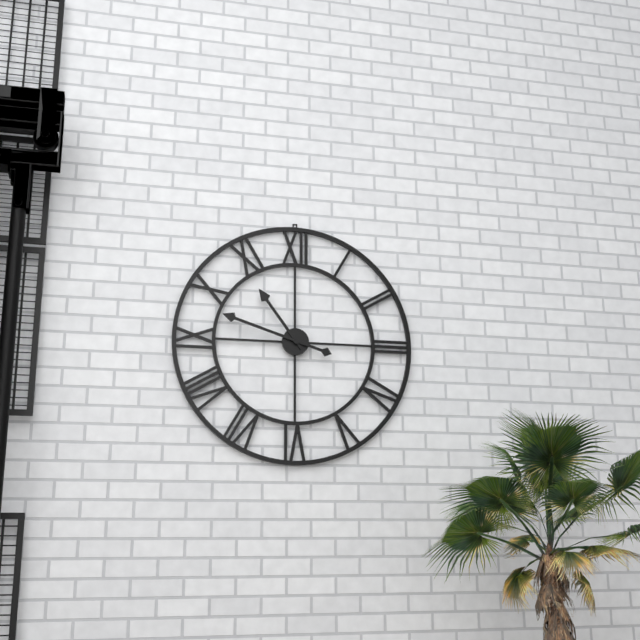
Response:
10.48
